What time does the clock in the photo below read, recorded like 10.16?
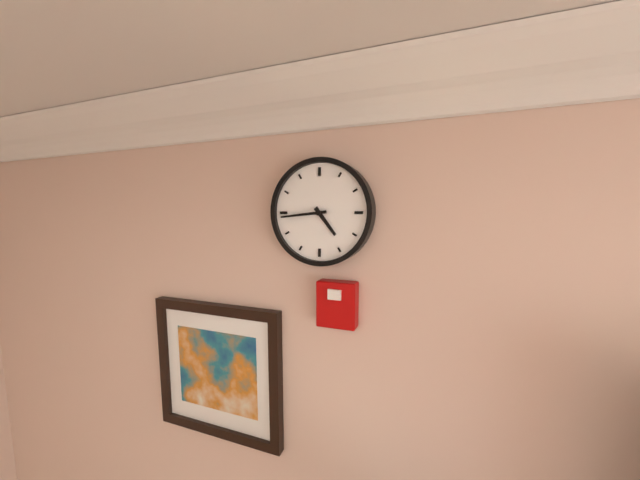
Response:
4.44
